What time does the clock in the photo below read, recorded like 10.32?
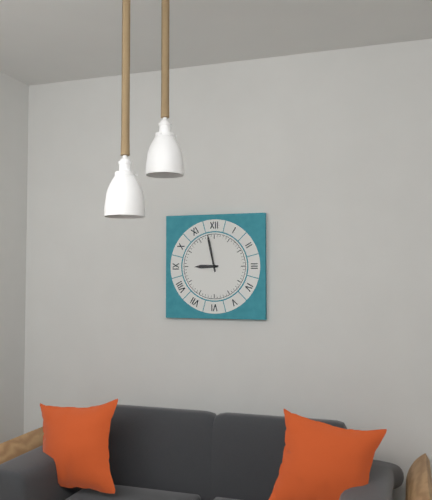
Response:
8.58
